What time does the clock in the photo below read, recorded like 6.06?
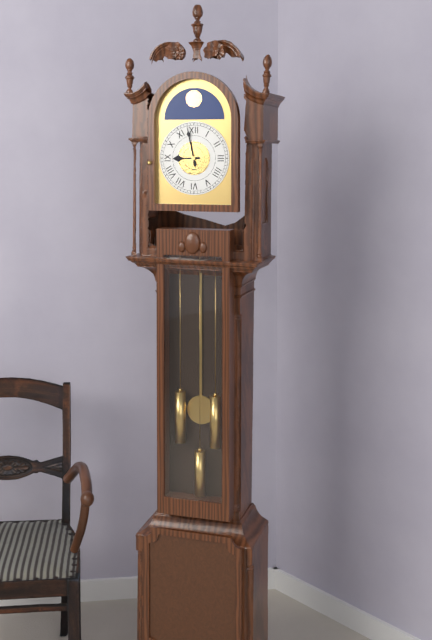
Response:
8.58
